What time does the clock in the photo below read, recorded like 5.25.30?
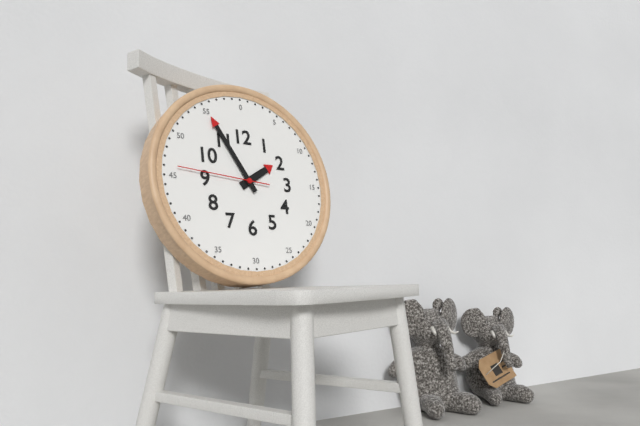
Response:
1.55.46
